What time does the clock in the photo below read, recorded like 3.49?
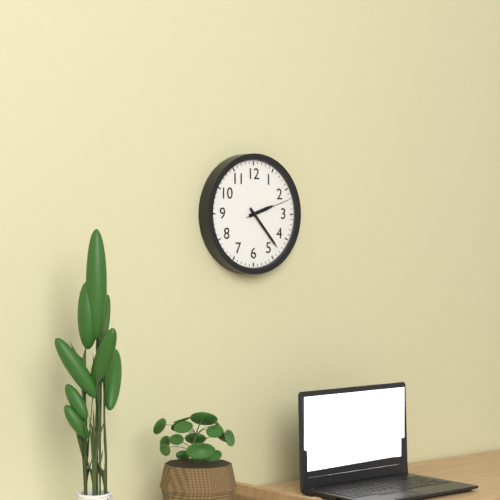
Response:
2.23
